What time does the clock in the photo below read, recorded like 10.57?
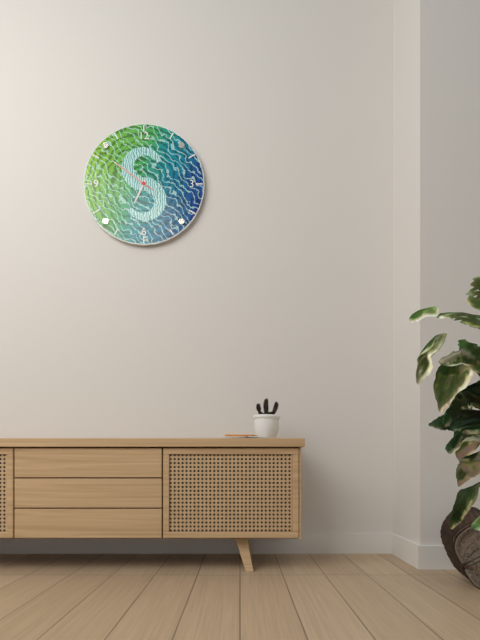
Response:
6.51
